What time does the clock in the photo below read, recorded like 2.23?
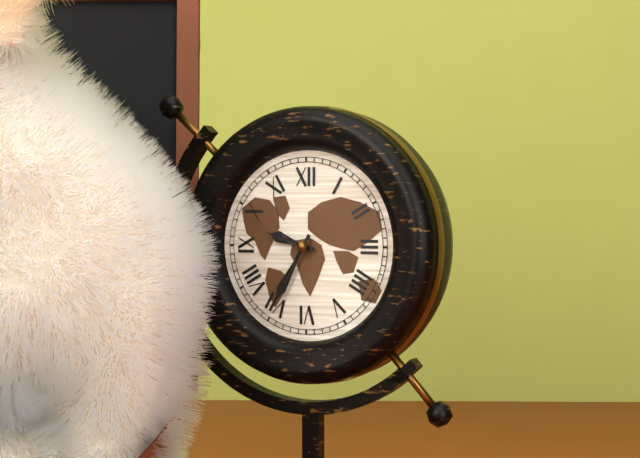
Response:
9.35
